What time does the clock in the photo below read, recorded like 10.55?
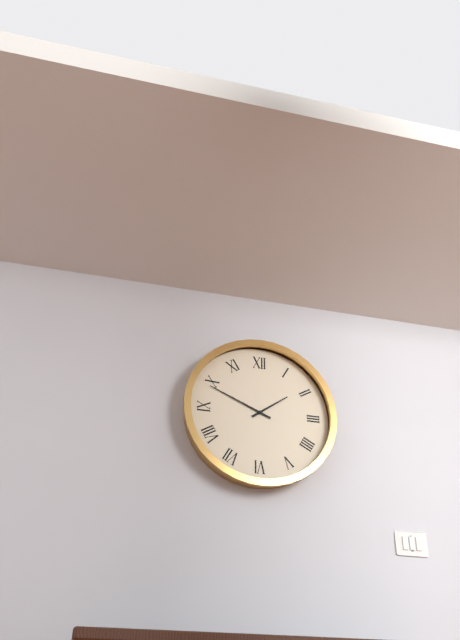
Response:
1.49
